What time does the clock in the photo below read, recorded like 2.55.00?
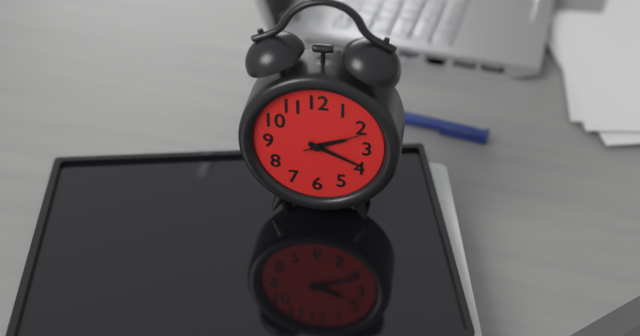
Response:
2.19.11
